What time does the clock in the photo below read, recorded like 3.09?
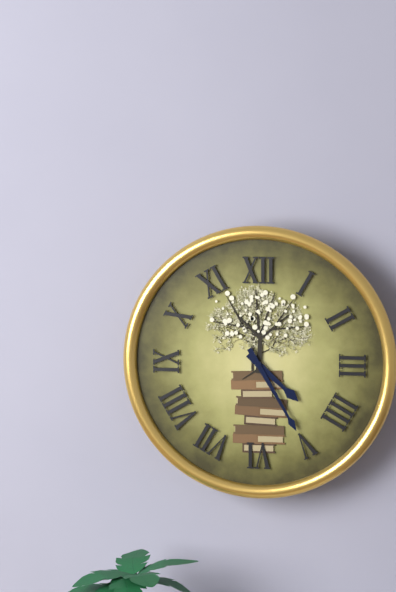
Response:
4.25
